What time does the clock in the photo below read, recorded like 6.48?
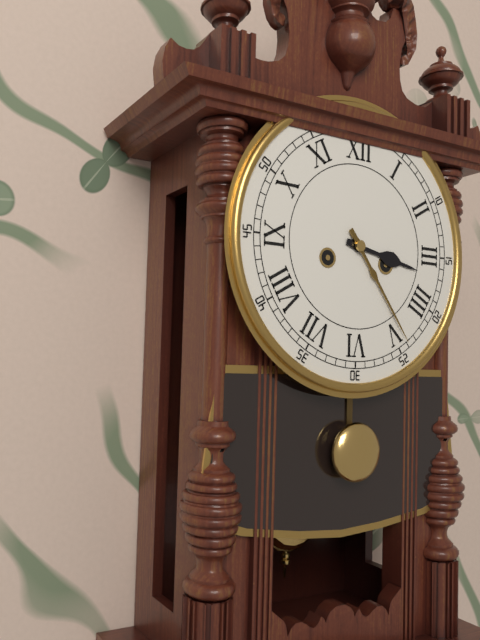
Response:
3.24
